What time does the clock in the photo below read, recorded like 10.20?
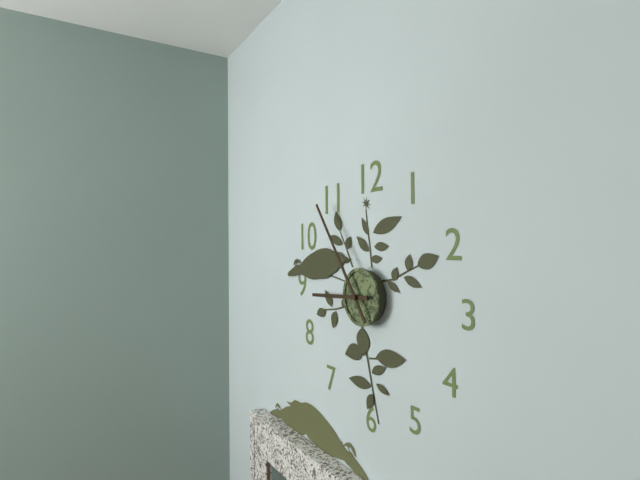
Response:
8.54
